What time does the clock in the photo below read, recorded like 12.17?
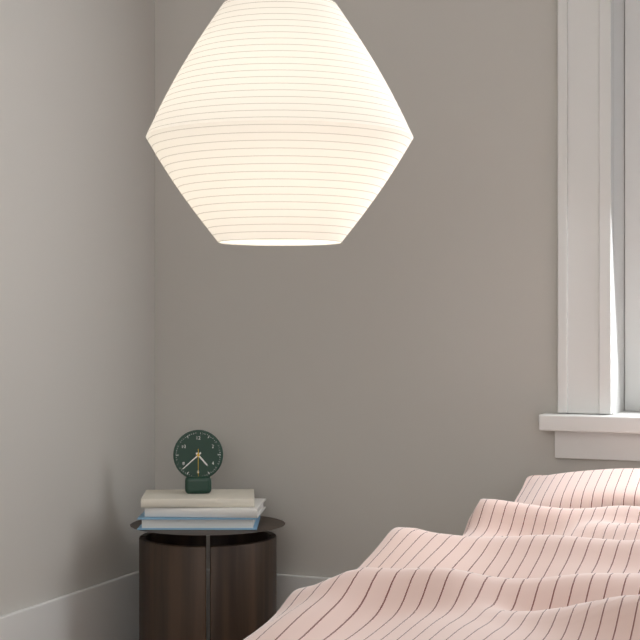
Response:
4.38
